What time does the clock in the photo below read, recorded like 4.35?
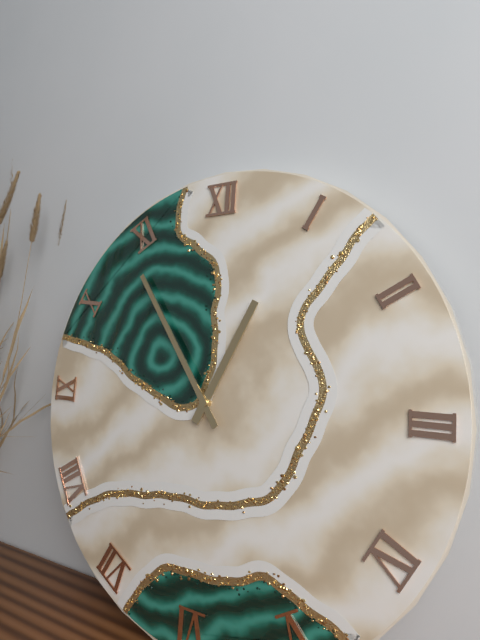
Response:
12.54
